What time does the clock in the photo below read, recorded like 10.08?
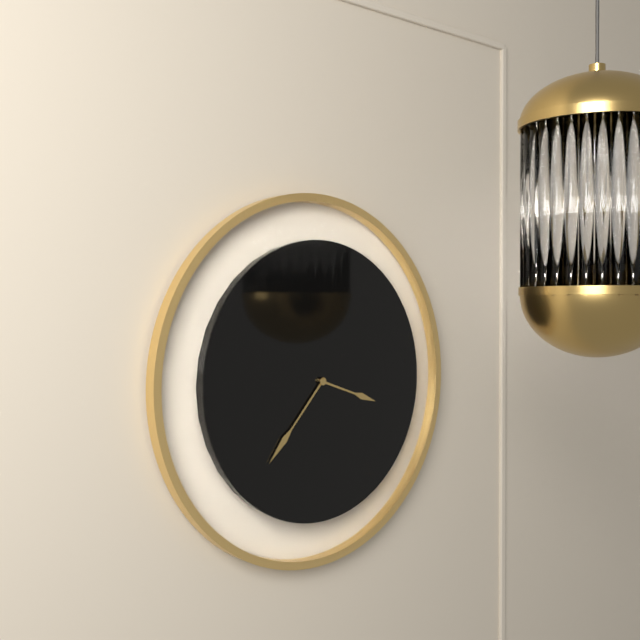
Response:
3.37
